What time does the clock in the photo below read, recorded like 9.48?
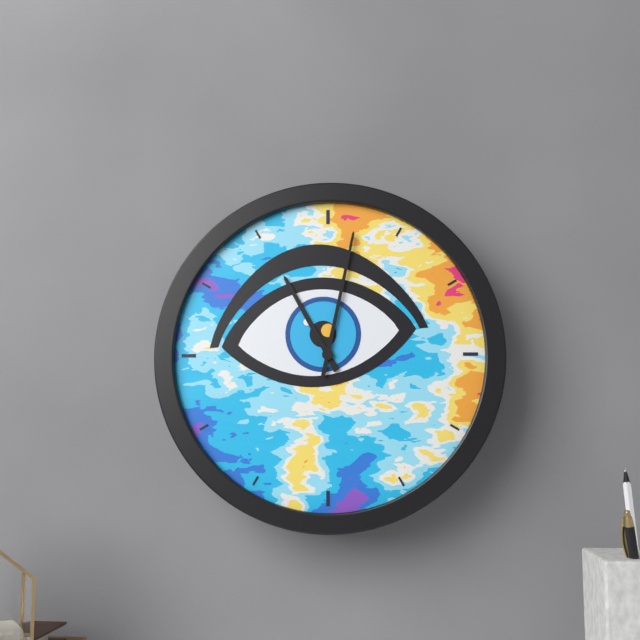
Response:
11.02
